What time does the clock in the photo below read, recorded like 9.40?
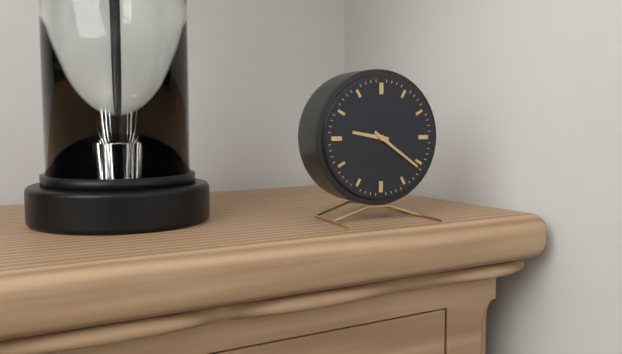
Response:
9.21
